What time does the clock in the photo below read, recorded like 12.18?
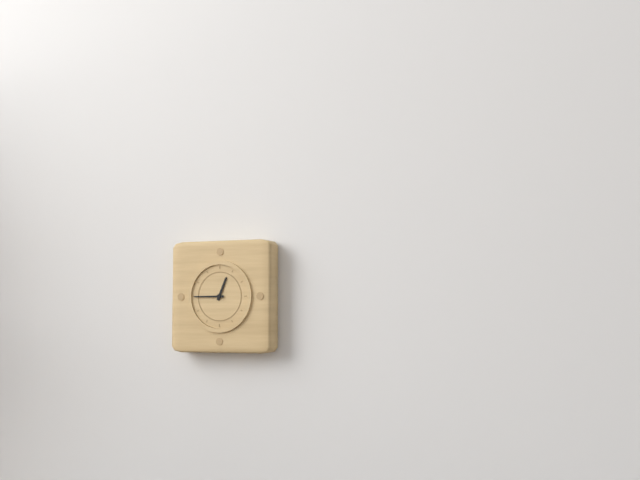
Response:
12.45
